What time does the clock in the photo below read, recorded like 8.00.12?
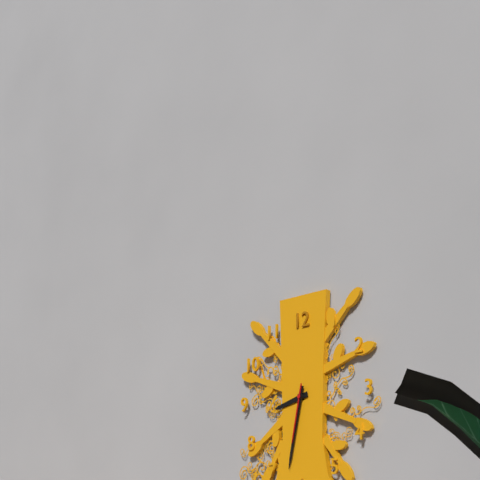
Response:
8.32.32
